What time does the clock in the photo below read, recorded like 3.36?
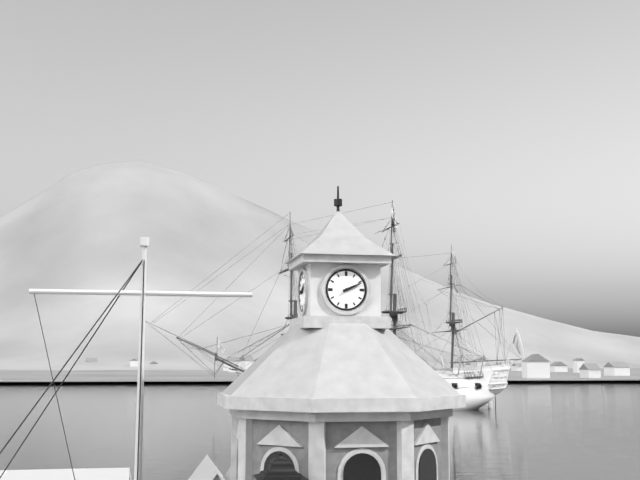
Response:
2.11
